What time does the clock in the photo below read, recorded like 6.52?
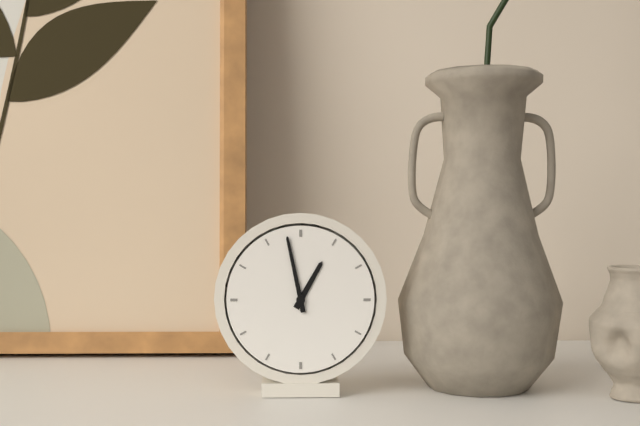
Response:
12.58
